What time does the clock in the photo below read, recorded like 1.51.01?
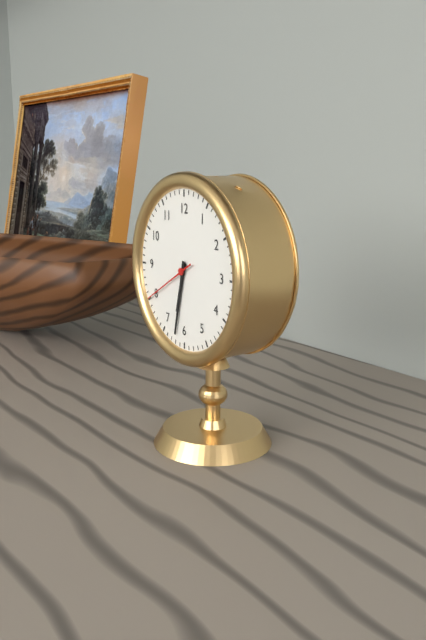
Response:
6.32.40
